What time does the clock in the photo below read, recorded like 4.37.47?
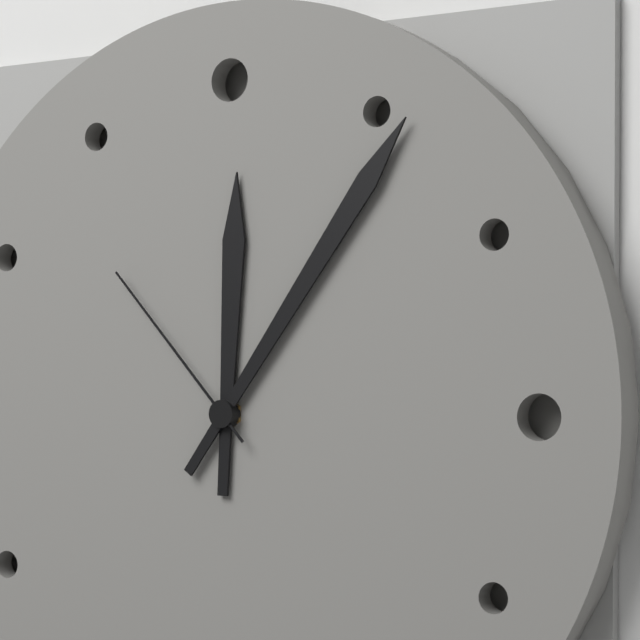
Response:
12.06.53
